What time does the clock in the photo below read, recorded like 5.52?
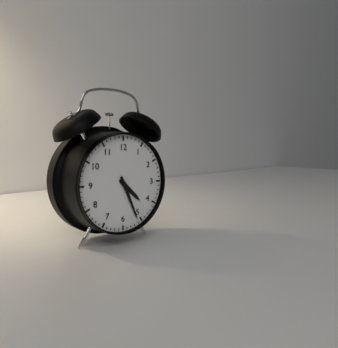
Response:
4.26
